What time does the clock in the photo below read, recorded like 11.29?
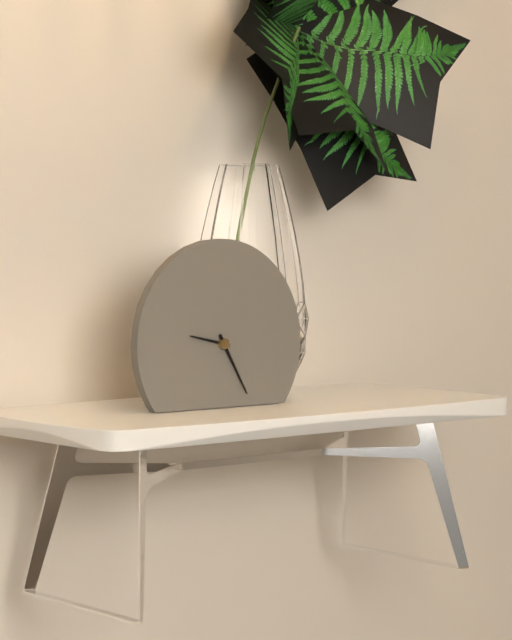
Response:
9.25
